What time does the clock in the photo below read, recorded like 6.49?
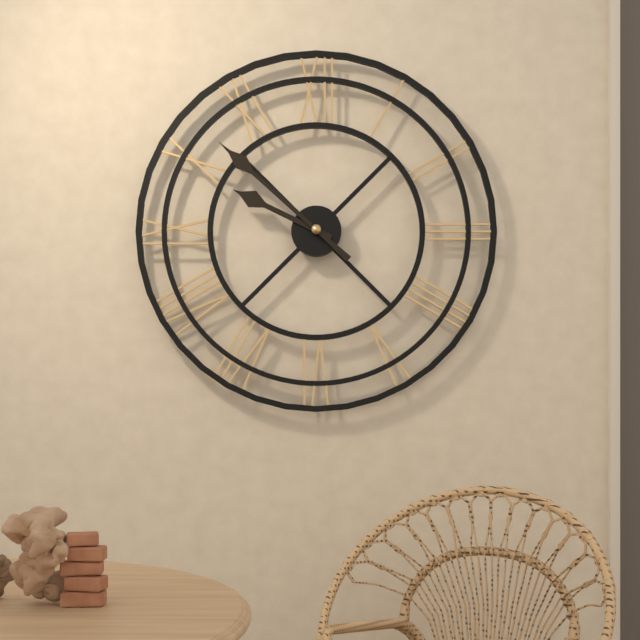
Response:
9.52
